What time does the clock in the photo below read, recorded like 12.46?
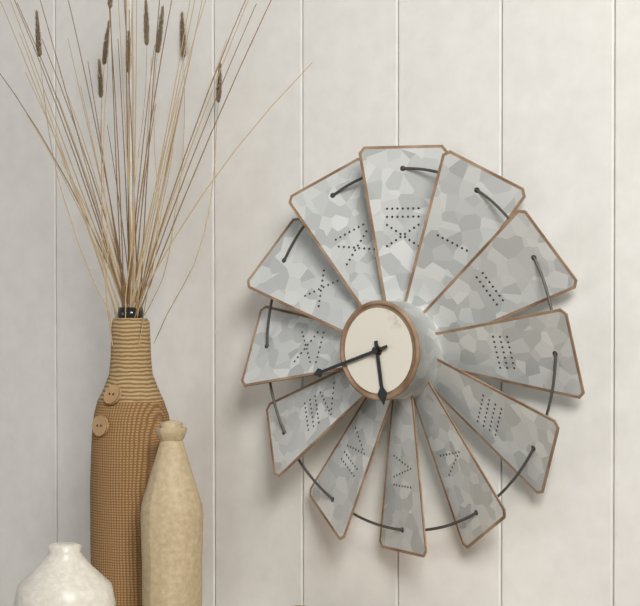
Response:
5.42
